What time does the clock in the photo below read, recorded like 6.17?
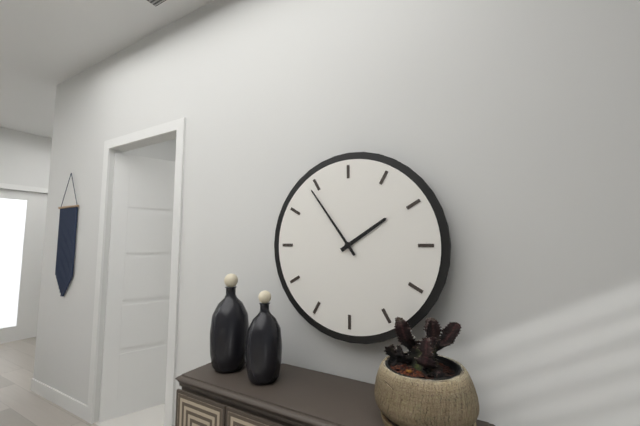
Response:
1.54
